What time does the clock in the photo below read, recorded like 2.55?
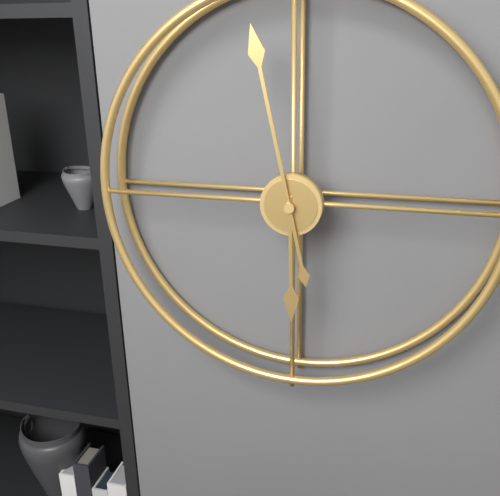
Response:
5.58
